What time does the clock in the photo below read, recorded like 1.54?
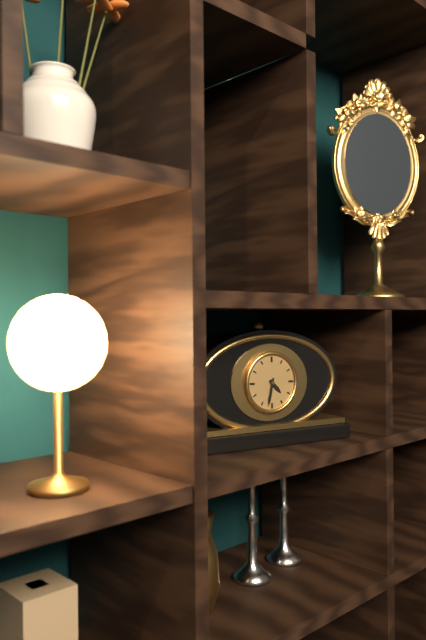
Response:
4.32
